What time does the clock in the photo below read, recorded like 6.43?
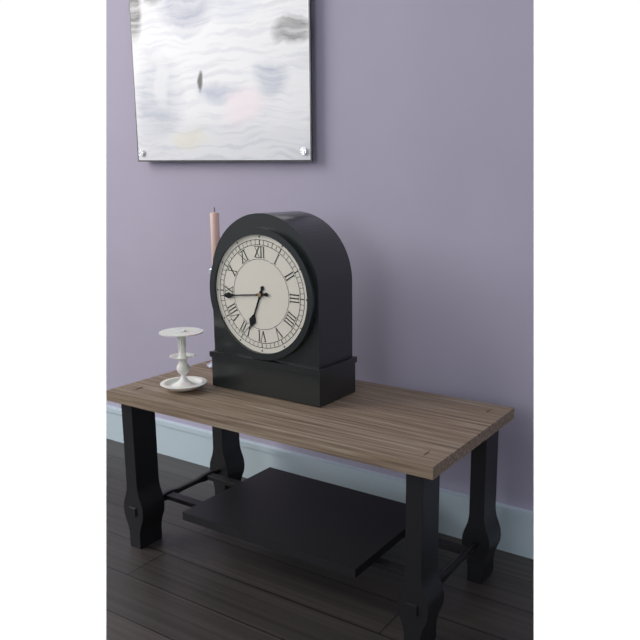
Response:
6.44
